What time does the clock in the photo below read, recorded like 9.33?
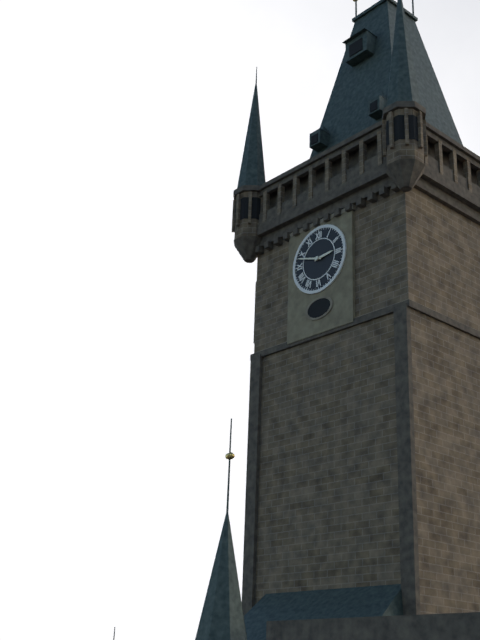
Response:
2.48
